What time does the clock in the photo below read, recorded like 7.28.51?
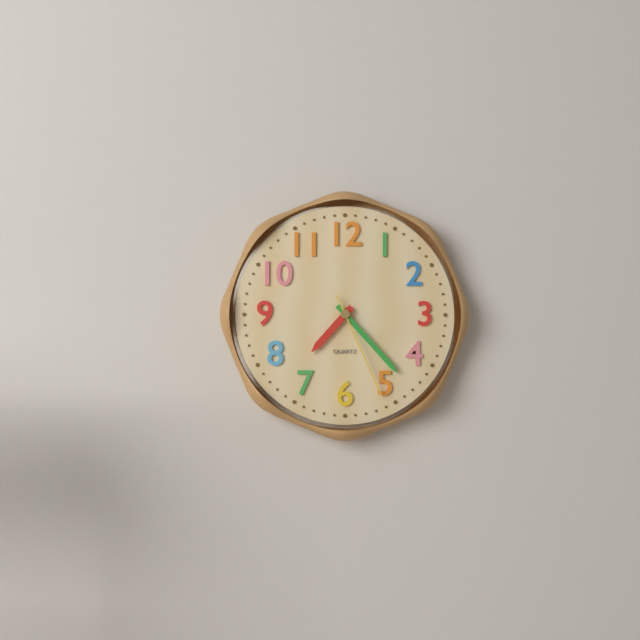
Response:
7.23.26
